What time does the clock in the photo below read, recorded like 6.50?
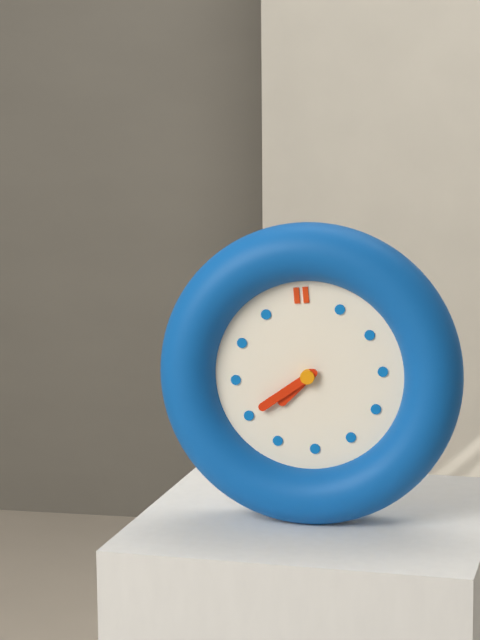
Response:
7.40
